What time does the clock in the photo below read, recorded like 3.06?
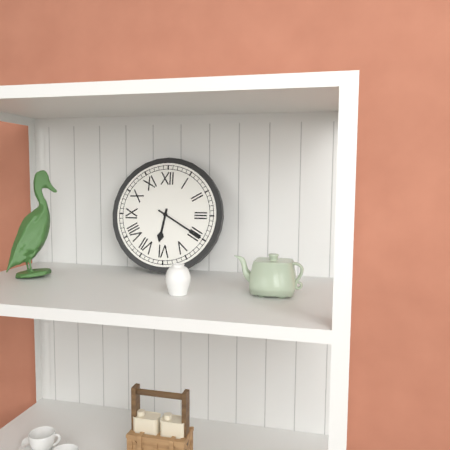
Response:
6.20
